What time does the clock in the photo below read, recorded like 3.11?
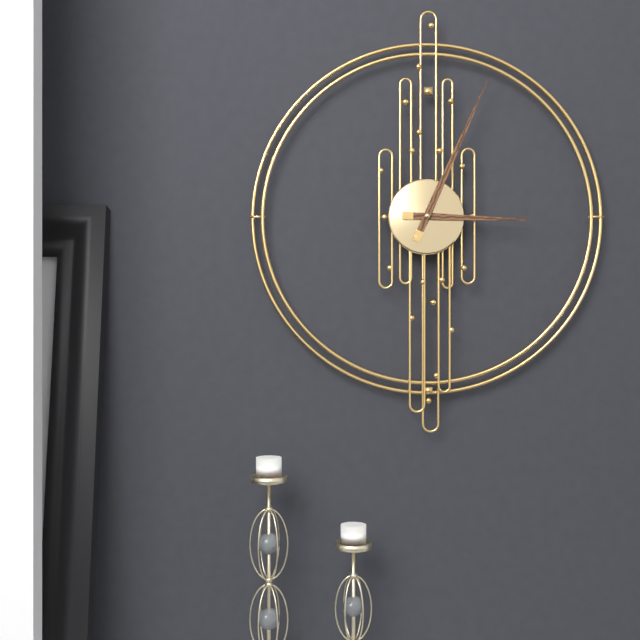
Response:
3.04
